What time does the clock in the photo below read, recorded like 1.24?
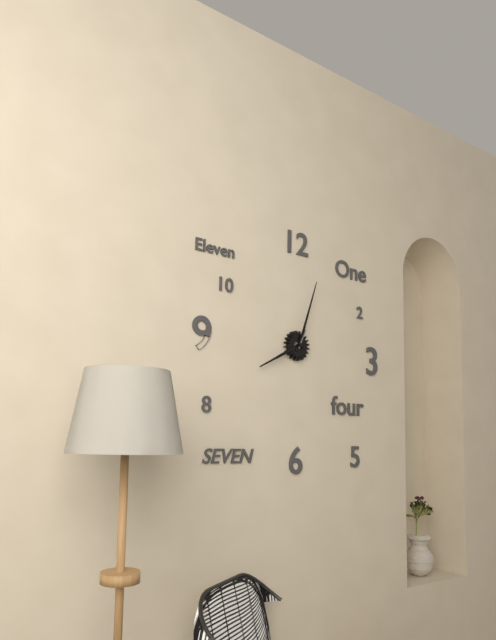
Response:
8.03
